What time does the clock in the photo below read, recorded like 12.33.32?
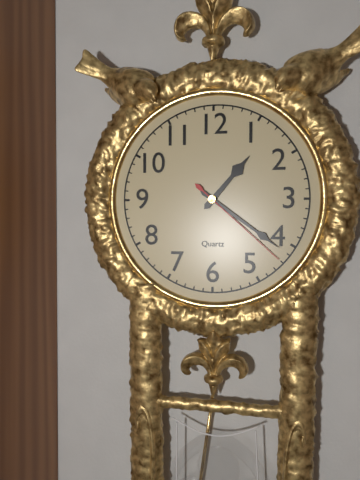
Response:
1.21.22
